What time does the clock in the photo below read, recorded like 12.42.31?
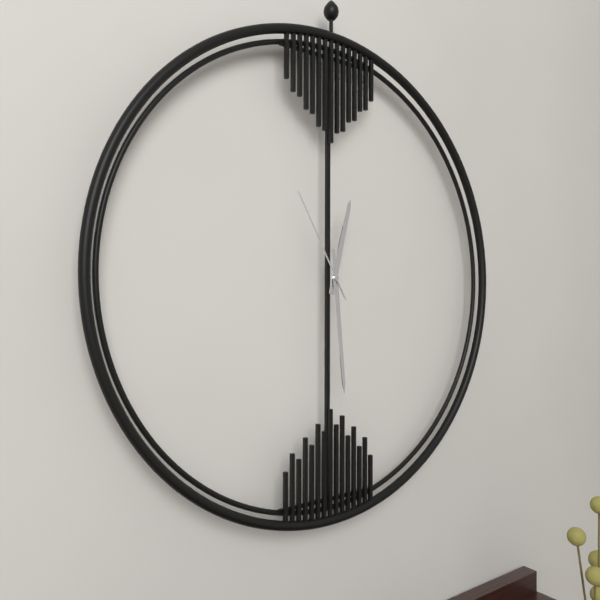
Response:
12.29.55
